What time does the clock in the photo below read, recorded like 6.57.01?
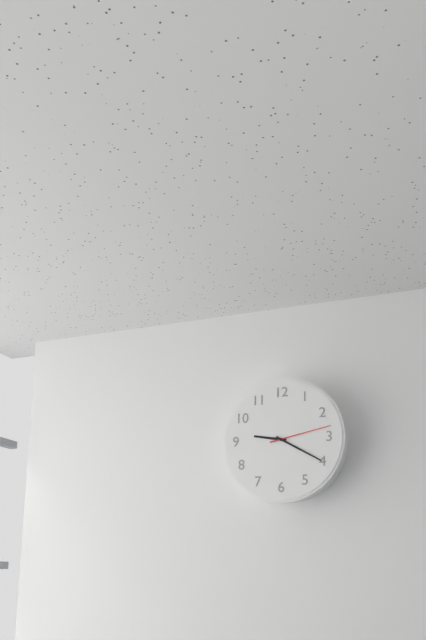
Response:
9.20.13
